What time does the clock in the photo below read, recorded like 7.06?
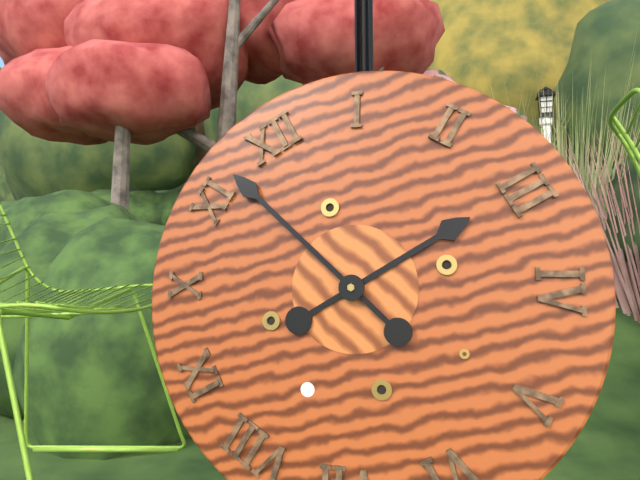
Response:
2.57
